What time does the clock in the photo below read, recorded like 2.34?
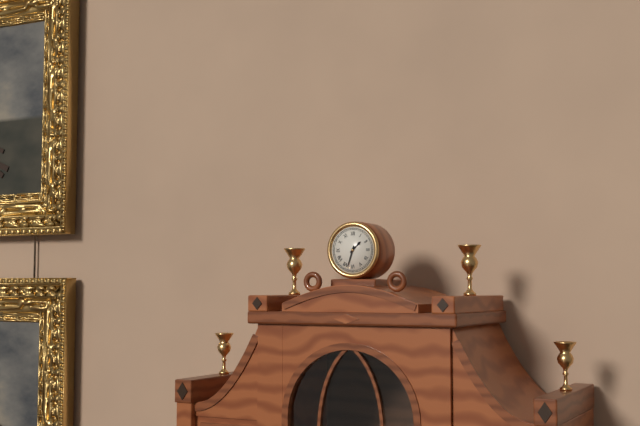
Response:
1.33
